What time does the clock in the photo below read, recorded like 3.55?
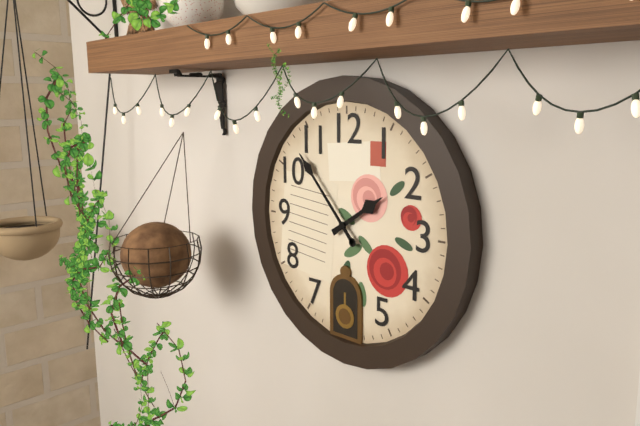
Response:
1.53
